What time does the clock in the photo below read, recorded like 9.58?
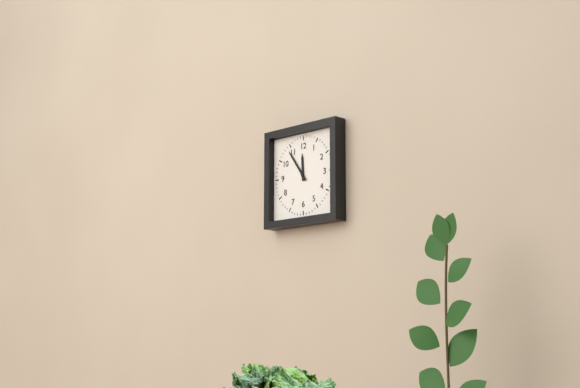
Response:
11.54
